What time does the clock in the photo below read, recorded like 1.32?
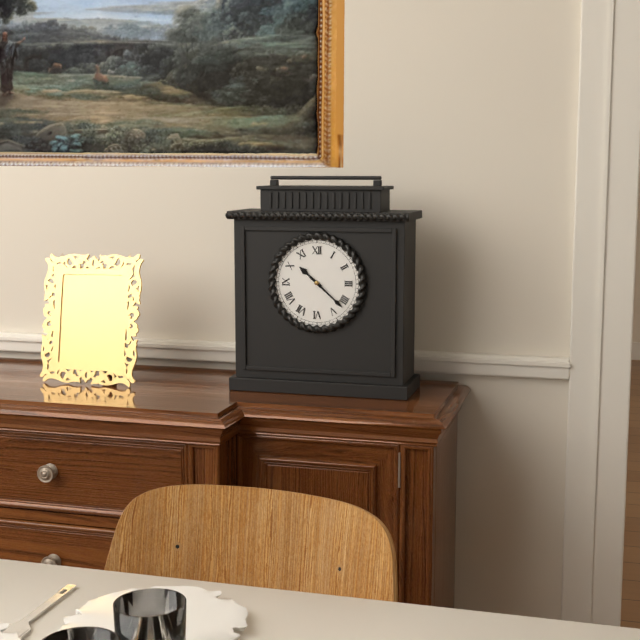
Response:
10.22
